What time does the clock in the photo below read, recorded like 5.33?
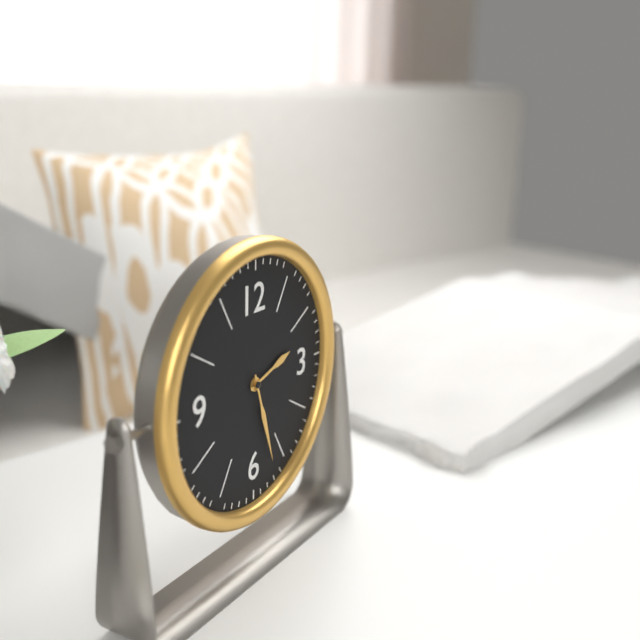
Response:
2.27
